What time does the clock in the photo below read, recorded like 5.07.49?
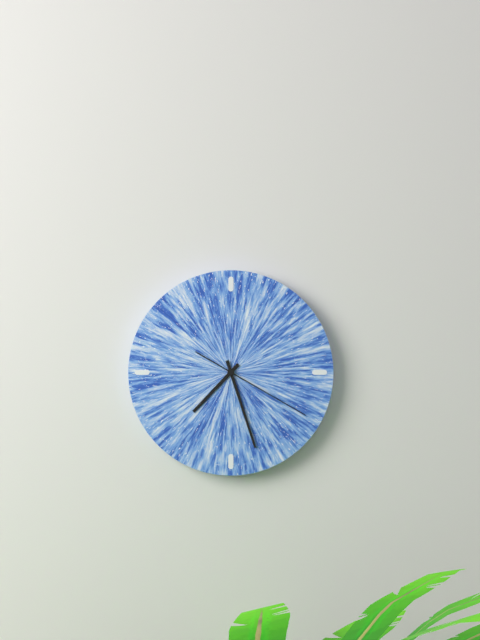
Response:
7.27.20
